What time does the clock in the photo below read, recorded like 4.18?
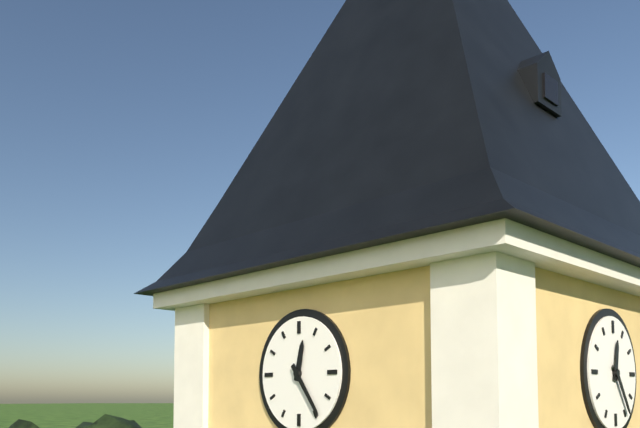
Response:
12.24
